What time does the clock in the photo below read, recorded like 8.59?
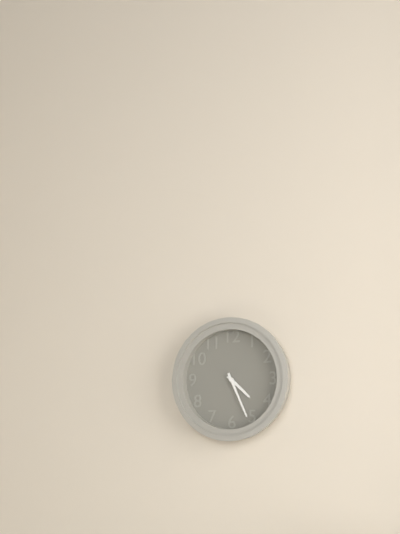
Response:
4.26
